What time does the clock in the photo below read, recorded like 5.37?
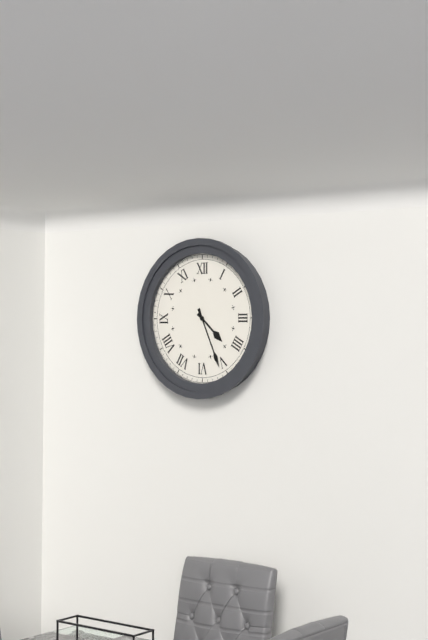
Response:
4.26
